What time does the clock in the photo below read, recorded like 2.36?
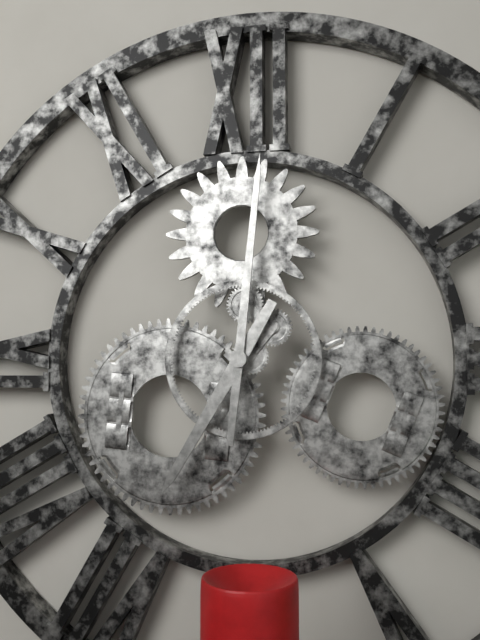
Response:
7.01
